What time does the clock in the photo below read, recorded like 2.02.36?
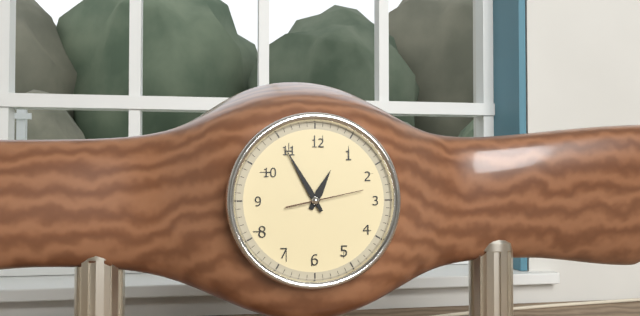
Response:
12.55.13
